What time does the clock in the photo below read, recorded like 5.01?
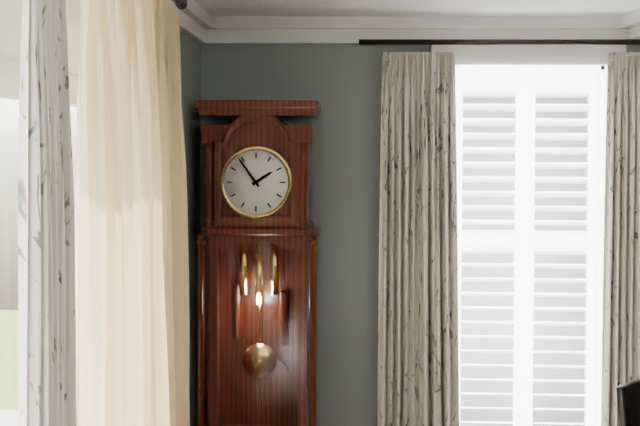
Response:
1.54
